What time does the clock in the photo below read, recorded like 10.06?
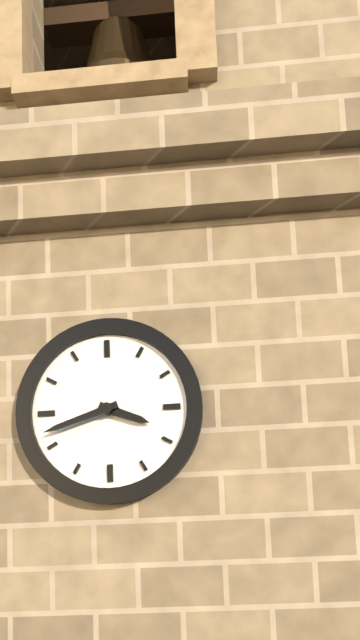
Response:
3.42
